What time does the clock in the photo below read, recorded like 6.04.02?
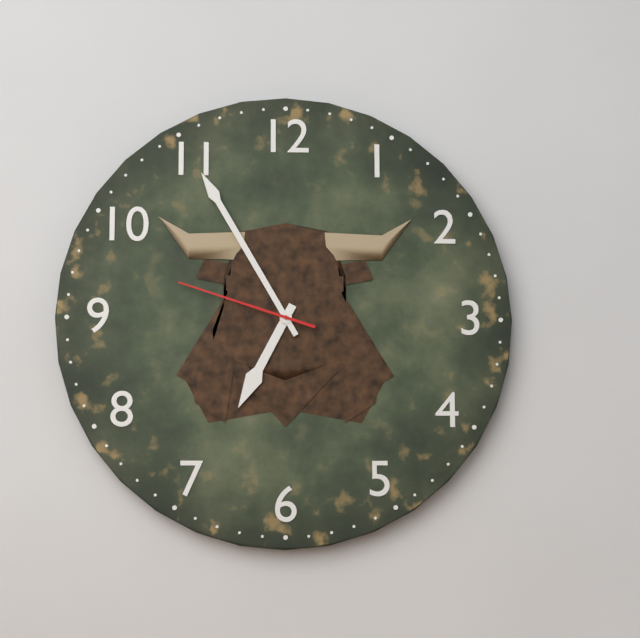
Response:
6.55.48
